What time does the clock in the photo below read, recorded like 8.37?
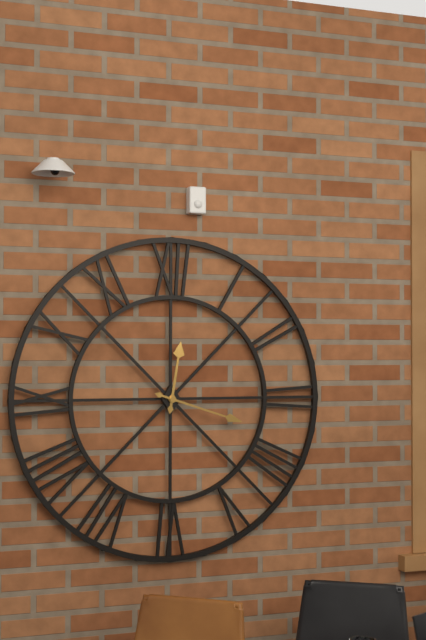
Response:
12.18
